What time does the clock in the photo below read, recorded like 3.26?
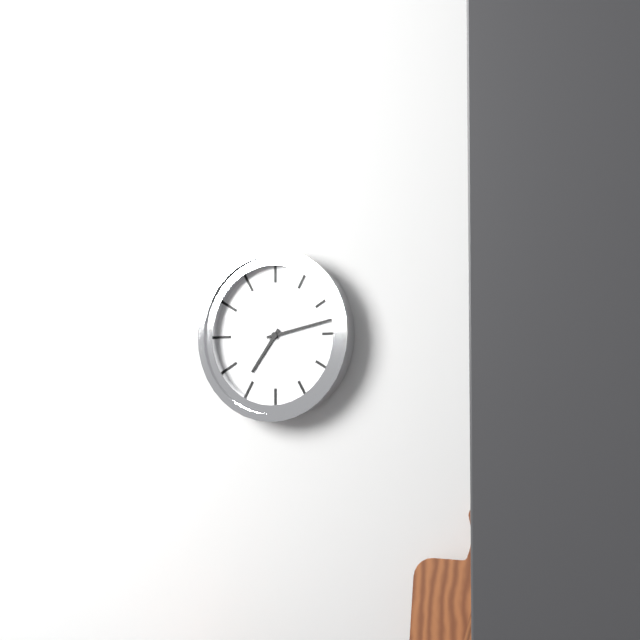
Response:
7.13
